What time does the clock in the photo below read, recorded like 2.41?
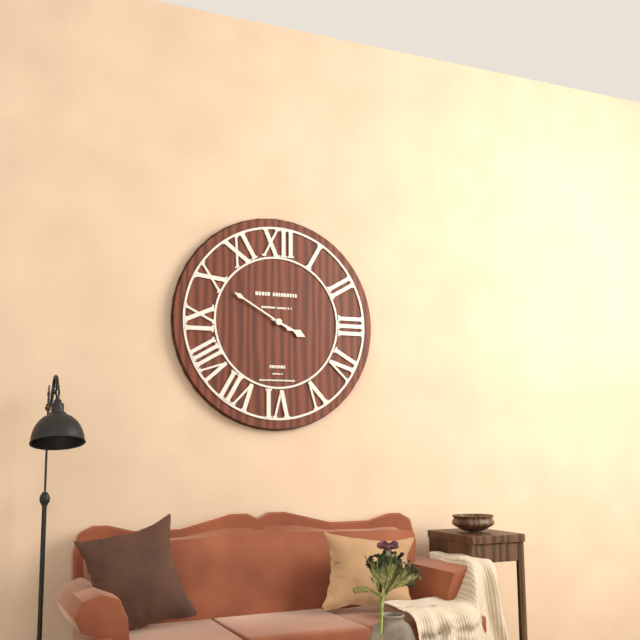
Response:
3.50
